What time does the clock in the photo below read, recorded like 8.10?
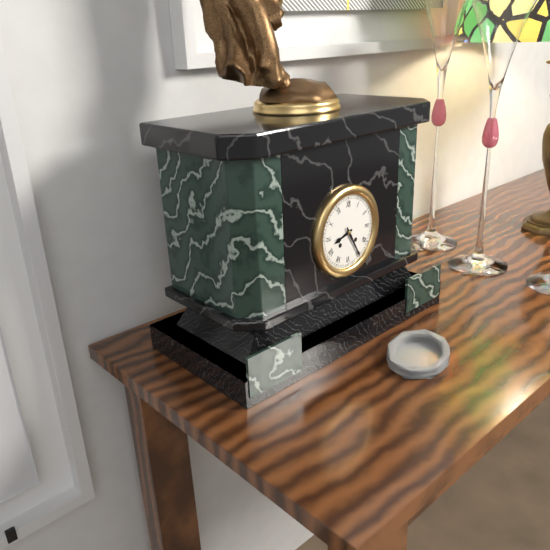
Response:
8.25
